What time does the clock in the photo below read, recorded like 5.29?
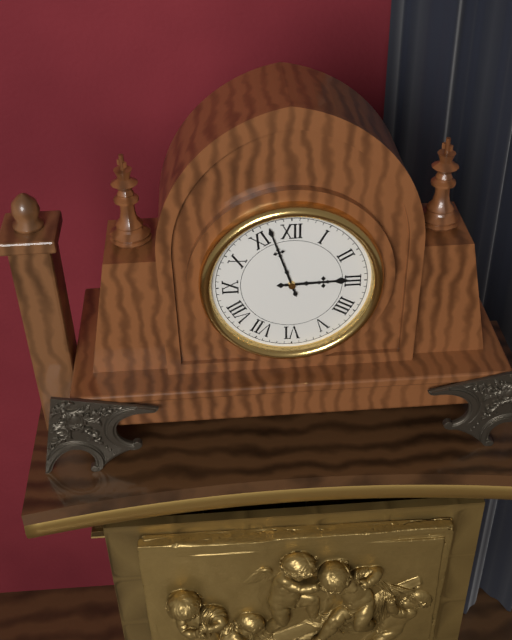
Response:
2.57
